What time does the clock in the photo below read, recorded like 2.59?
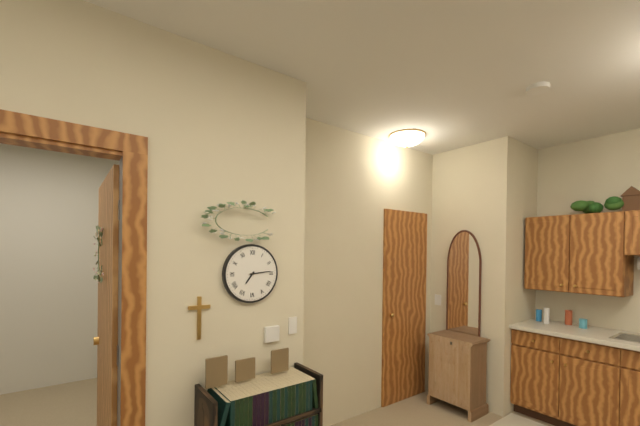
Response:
7.14
